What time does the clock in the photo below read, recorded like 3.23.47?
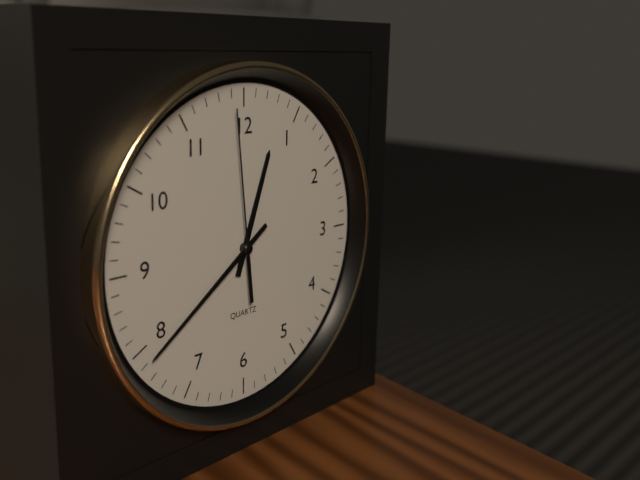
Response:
12.39.59
